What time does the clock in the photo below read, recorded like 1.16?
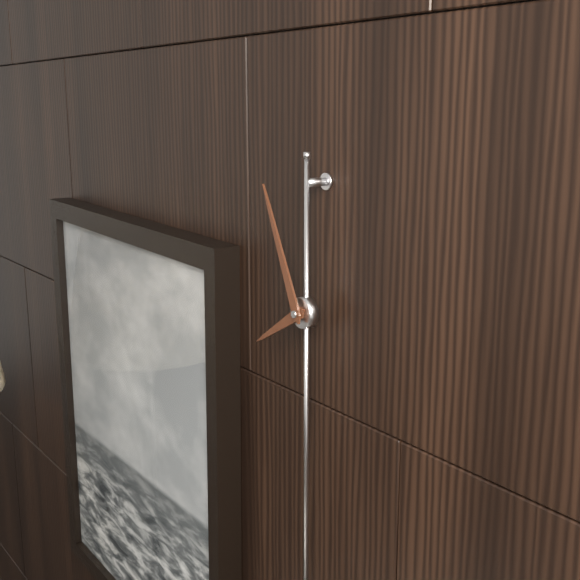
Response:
7.56
